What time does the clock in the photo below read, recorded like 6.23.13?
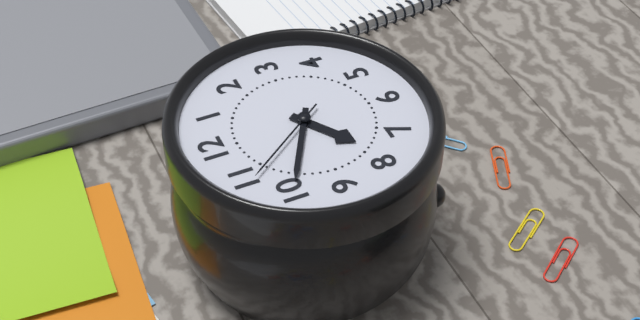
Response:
7.50.54
